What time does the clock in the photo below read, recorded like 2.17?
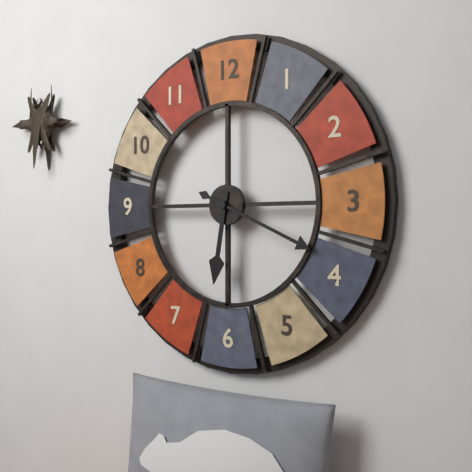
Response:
6.19
